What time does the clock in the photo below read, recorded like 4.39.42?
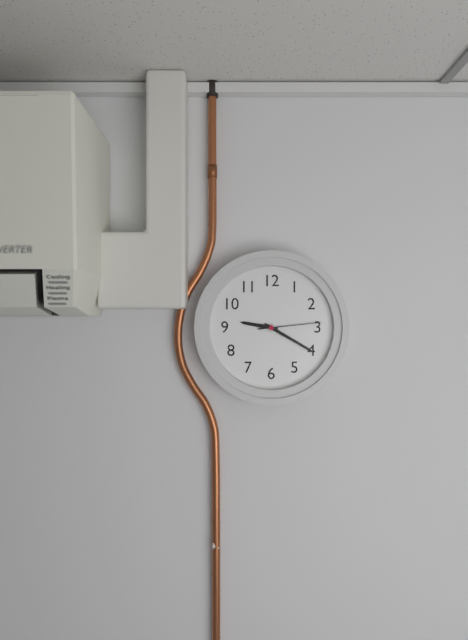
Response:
9.20.14
